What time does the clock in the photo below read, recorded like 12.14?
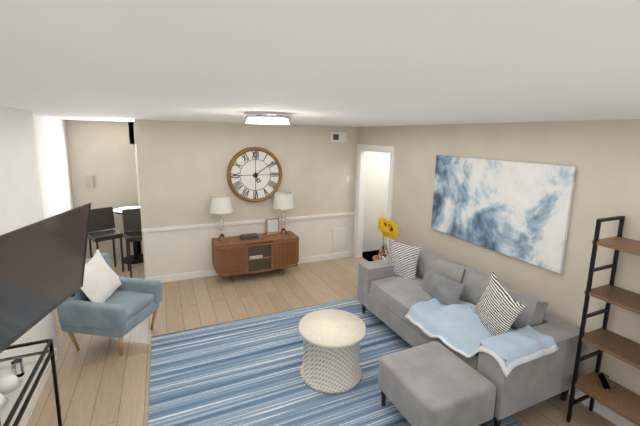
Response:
5.09
